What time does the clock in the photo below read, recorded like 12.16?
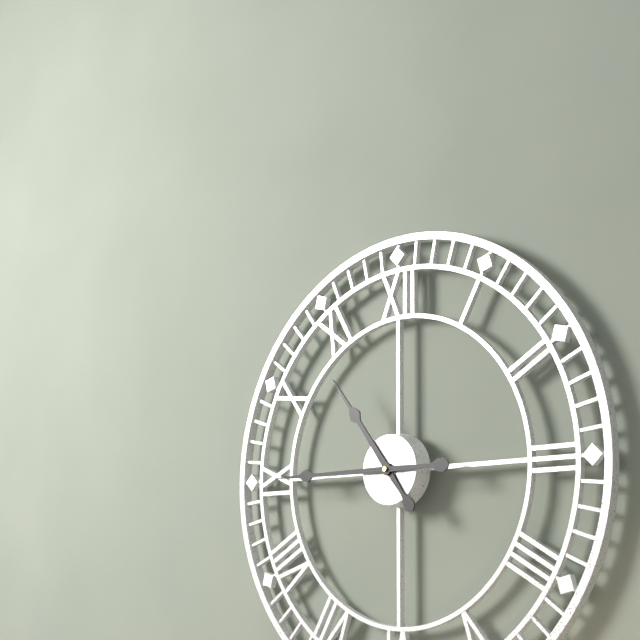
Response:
10.45
